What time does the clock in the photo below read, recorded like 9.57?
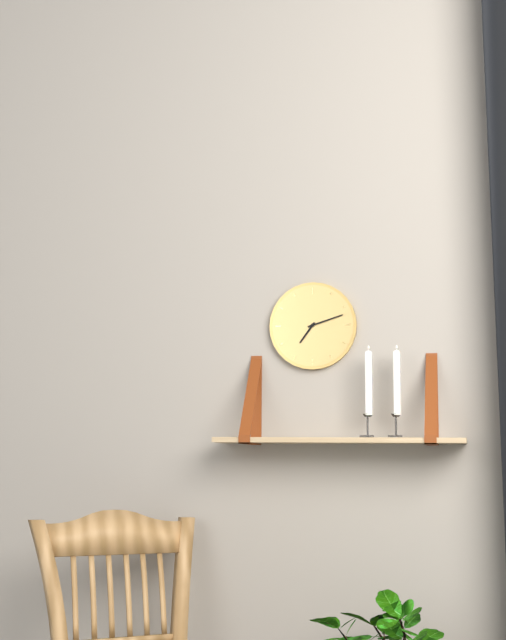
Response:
7.12
